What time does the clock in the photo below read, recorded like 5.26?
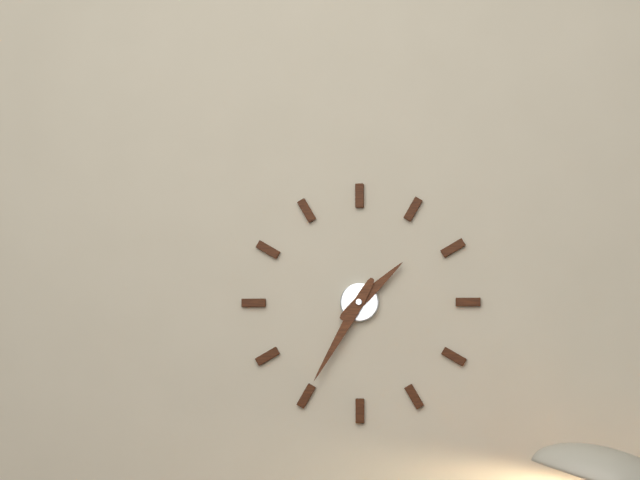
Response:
1.35
